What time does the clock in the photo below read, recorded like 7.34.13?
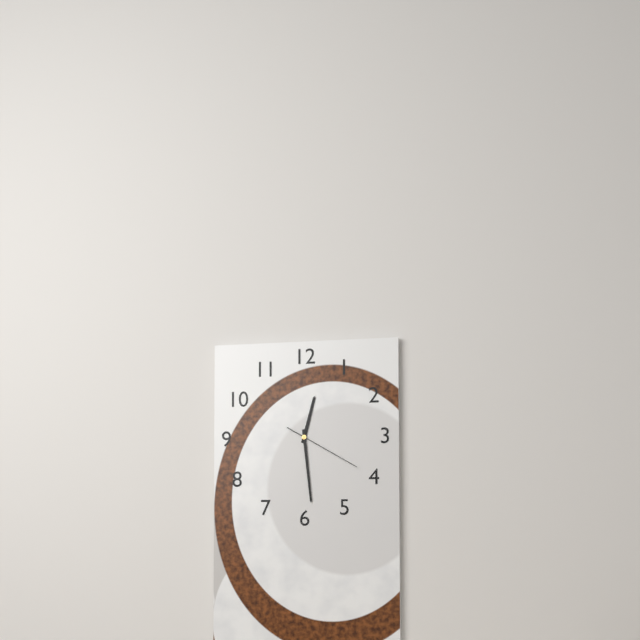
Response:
12.29.20
